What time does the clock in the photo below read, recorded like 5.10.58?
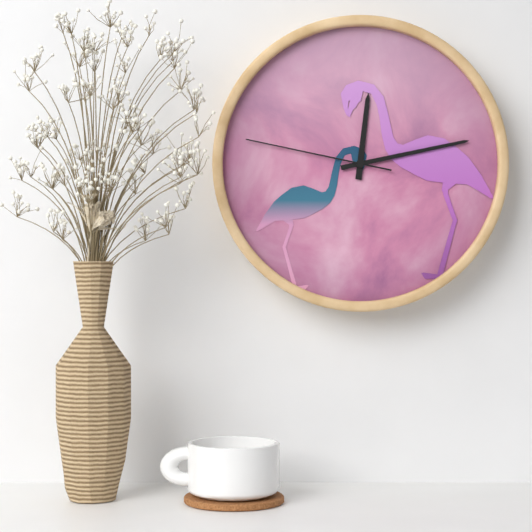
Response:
12.13.47
